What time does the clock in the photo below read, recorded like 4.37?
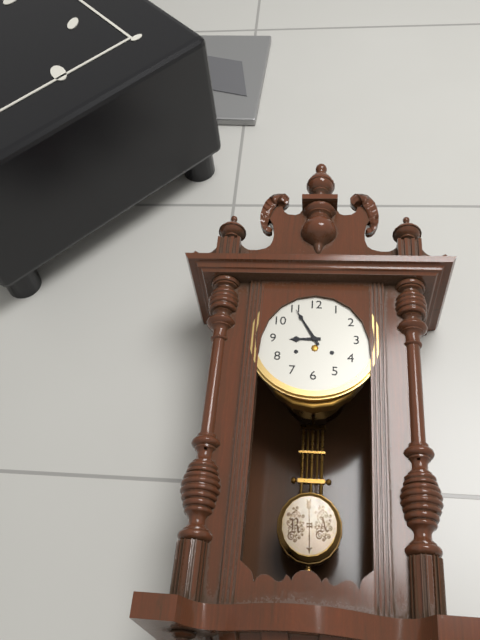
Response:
8.55
